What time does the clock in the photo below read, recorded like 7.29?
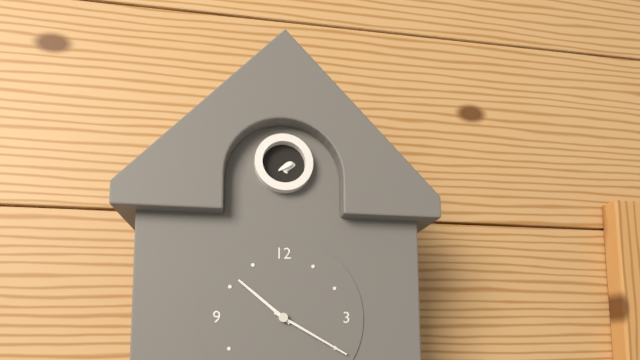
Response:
10.20
